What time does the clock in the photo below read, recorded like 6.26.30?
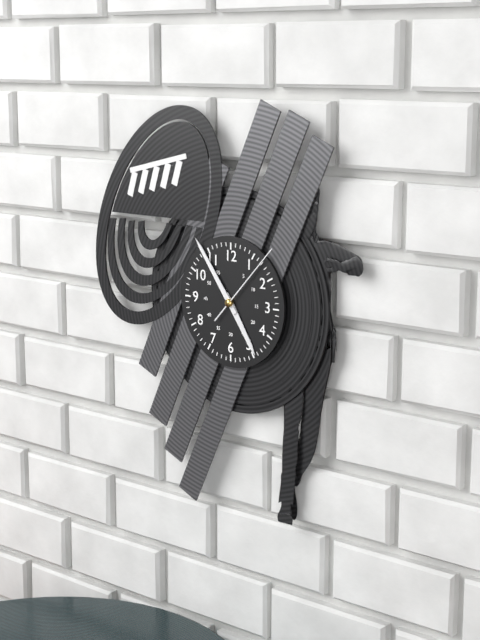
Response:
4.54.07
